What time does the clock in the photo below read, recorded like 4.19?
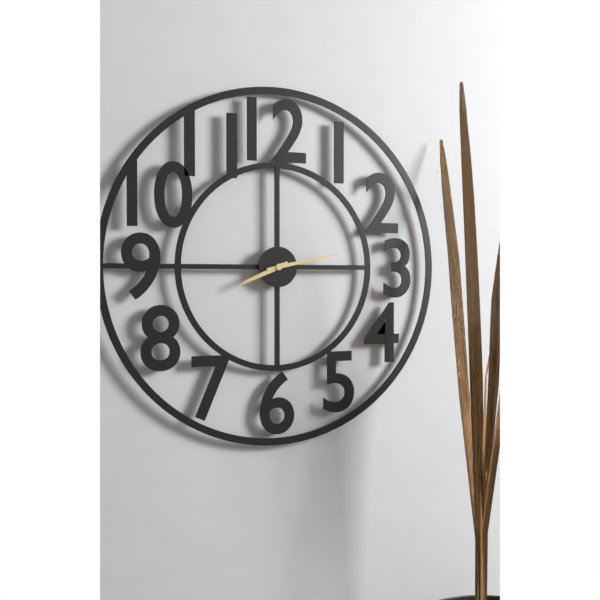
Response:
8.13
